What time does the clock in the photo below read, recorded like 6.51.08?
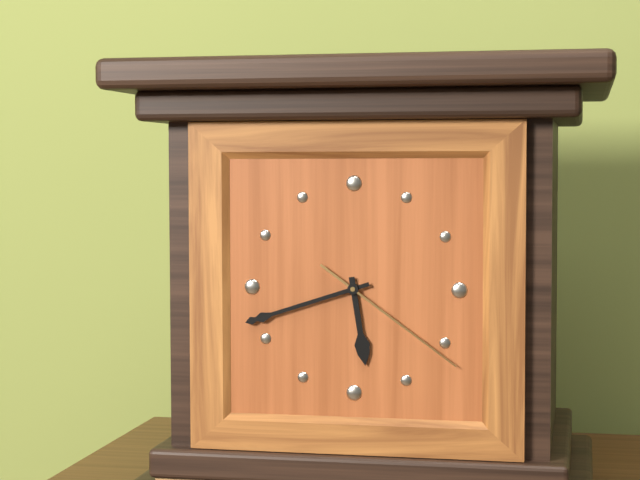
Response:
5.42.21
